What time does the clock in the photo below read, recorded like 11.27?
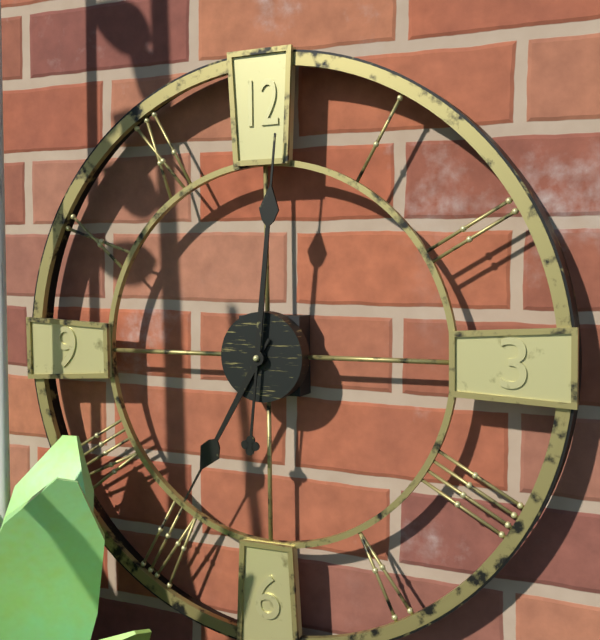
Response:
7.01
